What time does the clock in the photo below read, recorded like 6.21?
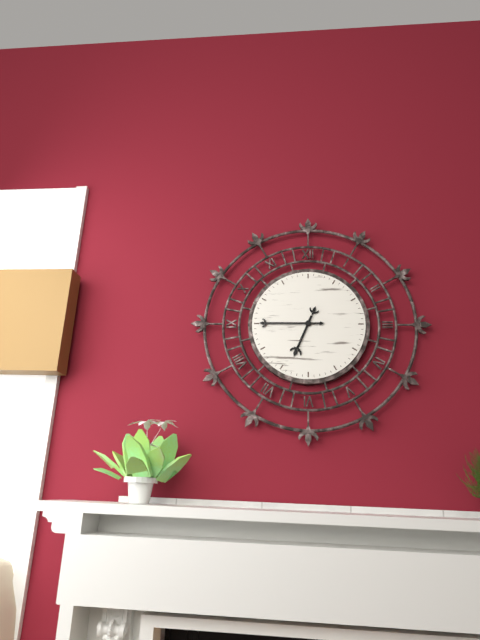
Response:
6.45
